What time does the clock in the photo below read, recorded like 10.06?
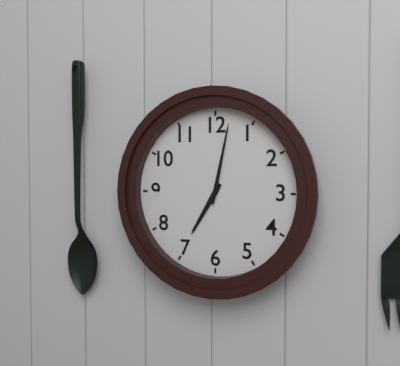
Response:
7.02
